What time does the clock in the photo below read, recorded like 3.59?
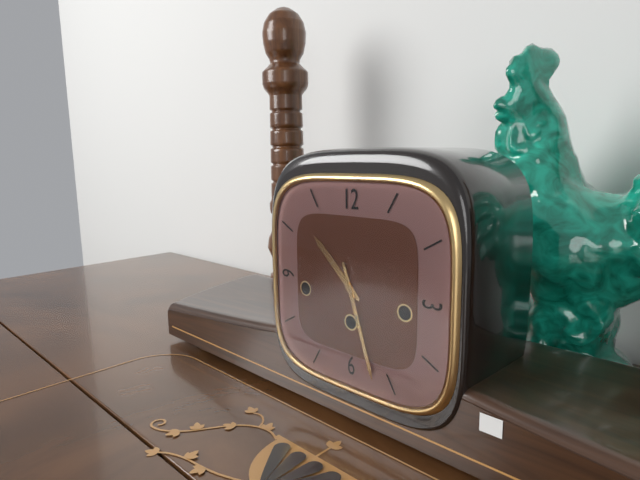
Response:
10.27
